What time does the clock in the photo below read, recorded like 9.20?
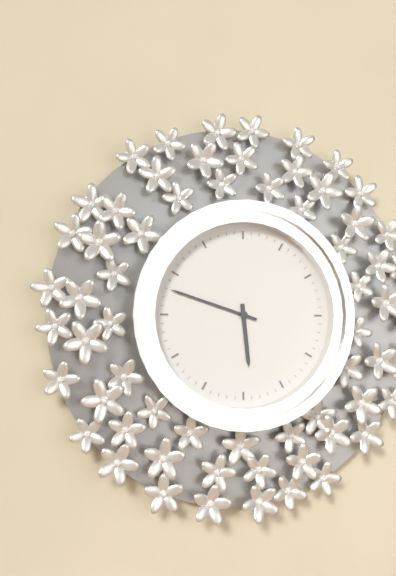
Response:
5.48
